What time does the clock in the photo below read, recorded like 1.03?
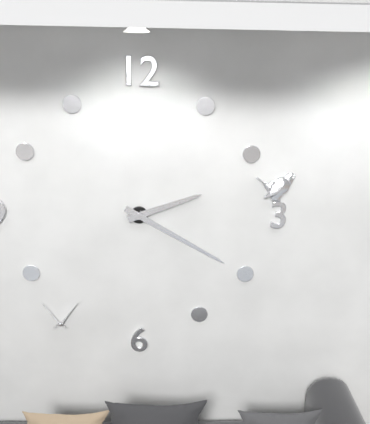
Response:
2.20
